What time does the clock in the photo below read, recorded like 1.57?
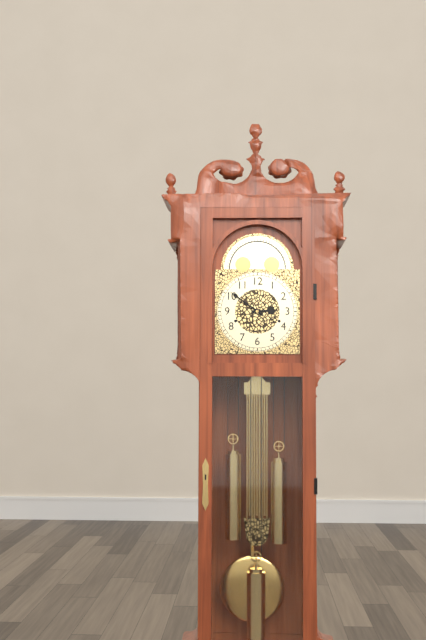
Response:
2.51
